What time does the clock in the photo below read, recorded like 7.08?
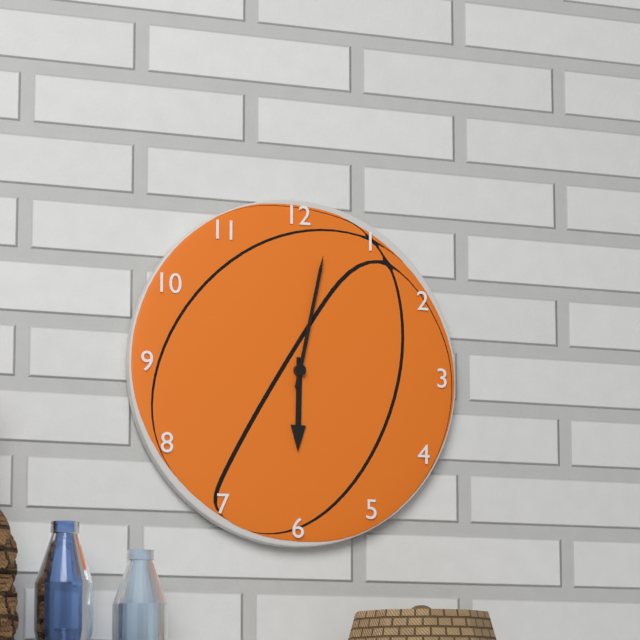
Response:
6.02
